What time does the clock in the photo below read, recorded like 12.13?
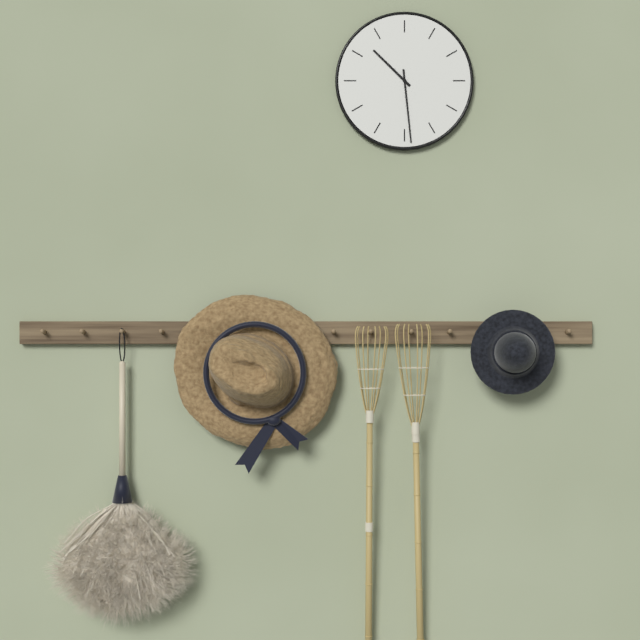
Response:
10.29
